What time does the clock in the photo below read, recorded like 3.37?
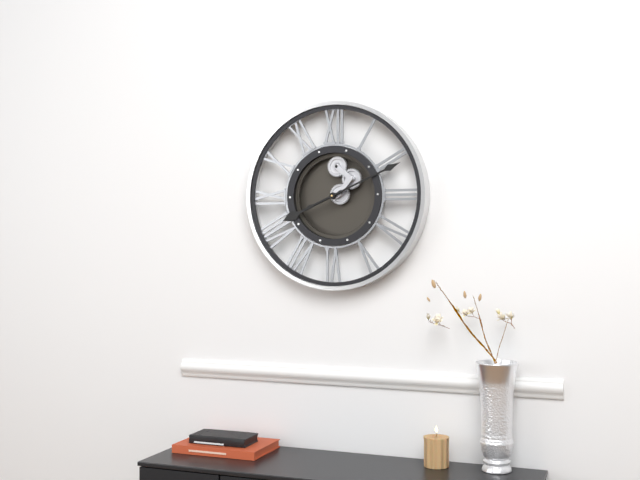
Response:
8.11
